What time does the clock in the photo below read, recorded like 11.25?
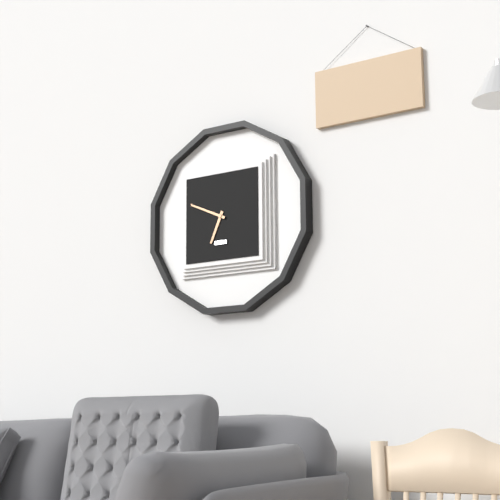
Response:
6.49
